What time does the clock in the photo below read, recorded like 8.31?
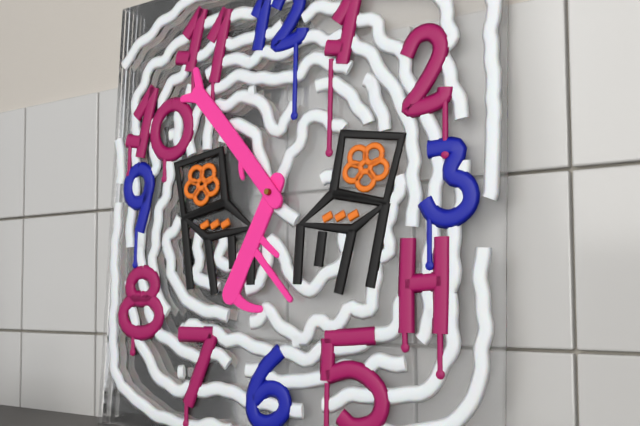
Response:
6.53
